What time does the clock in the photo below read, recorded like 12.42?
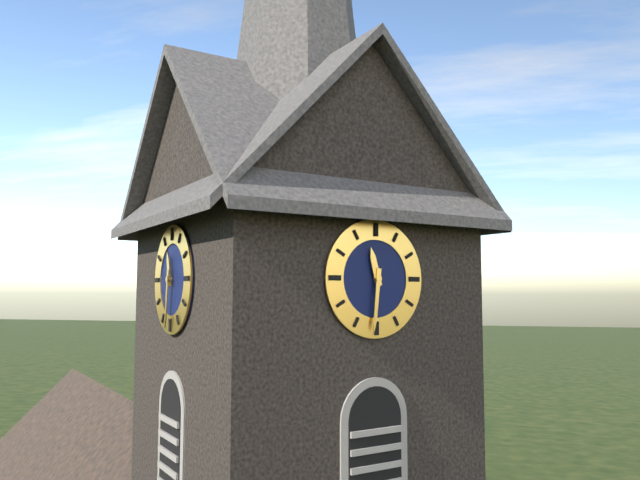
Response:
11.31
